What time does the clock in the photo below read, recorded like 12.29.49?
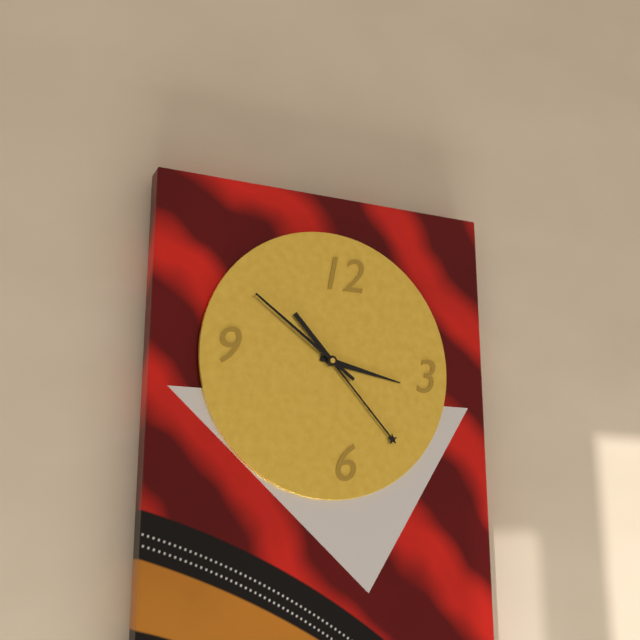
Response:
3.23.51
